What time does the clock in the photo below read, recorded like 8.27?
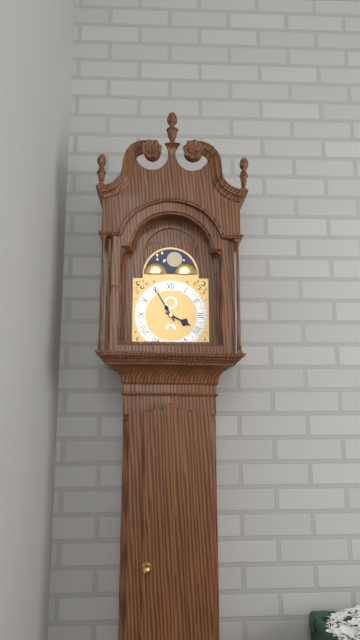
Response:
3.55
